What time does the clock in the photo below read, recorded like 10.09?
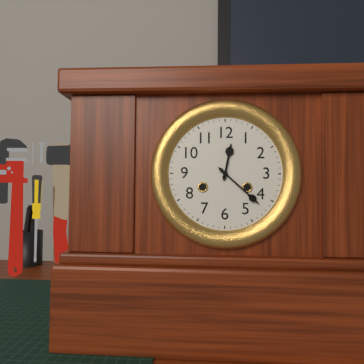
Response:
12.22
